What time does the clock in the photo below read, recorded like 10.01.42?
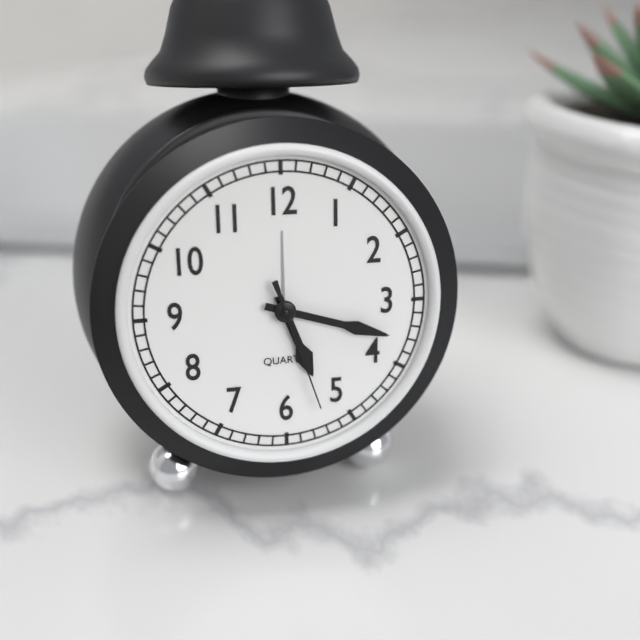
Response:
5.18.27
